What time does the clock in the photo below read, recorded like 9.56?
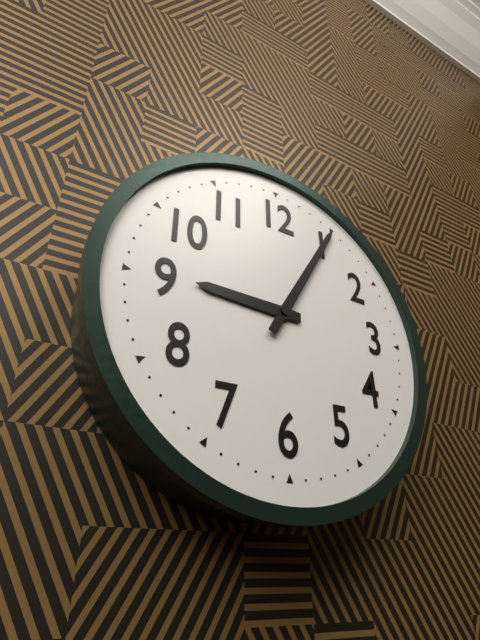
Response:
9.05
